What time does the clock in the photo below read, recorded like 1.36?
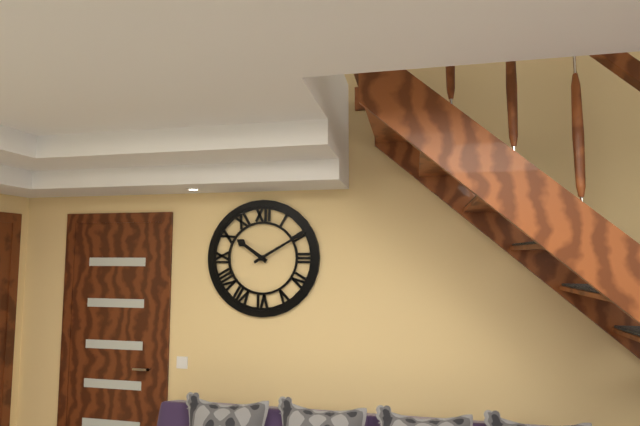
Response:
10.10
